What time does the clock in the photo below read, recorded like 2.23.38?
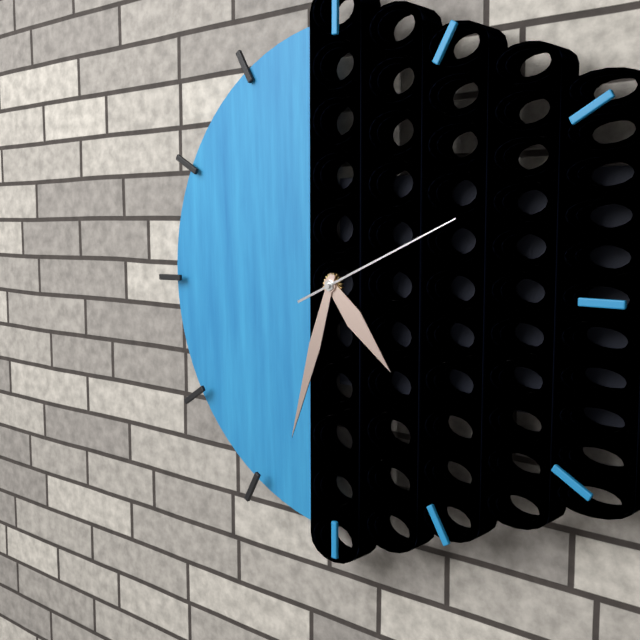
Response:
4.33.11
